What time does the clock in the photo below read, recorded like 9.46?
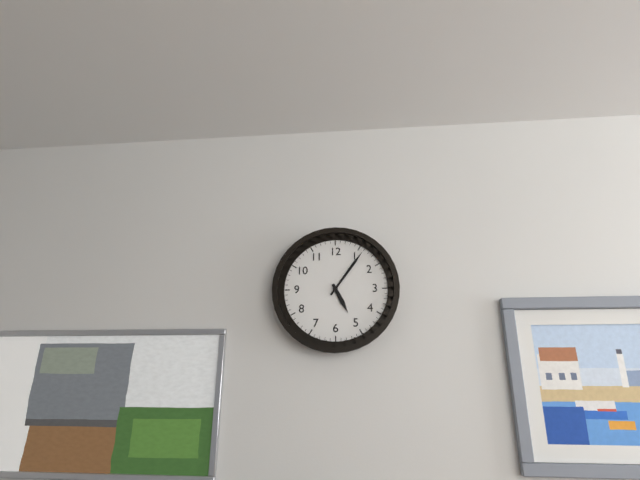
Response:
5.06
